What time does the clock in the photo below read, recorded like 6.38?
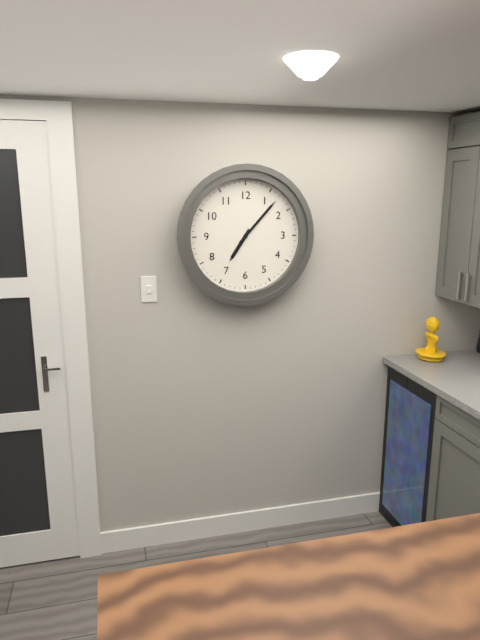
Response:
7.07
